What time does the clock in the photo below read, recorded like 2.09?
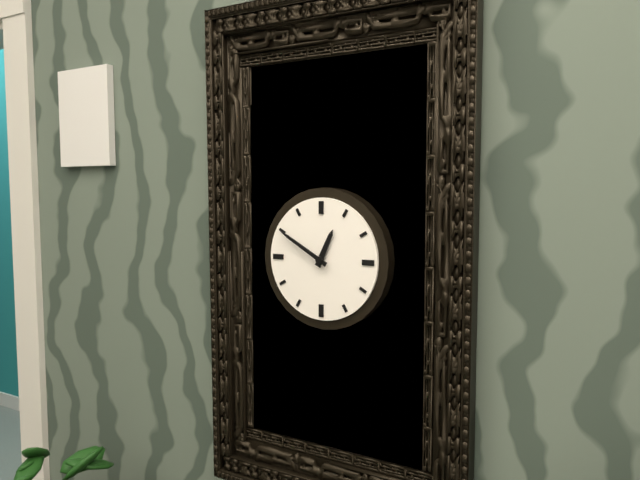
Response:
12.50
